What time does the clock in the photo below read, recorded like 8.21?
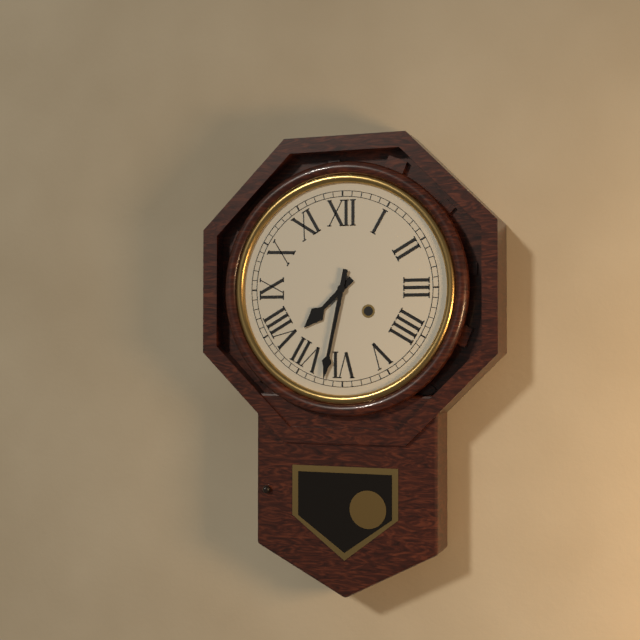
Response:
7.32
